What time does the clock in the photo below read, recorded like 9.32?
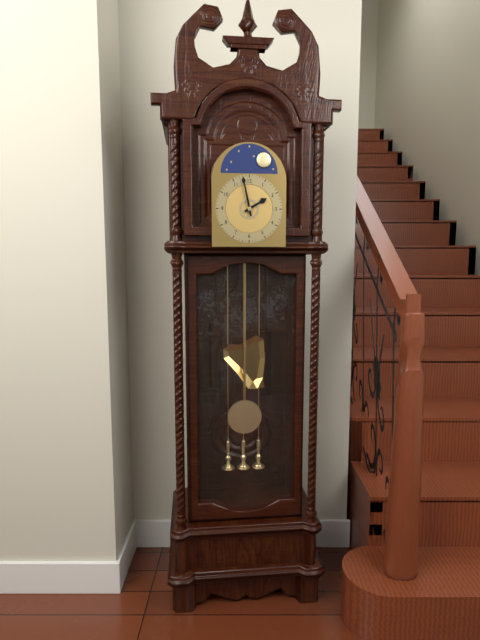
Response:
1.58
